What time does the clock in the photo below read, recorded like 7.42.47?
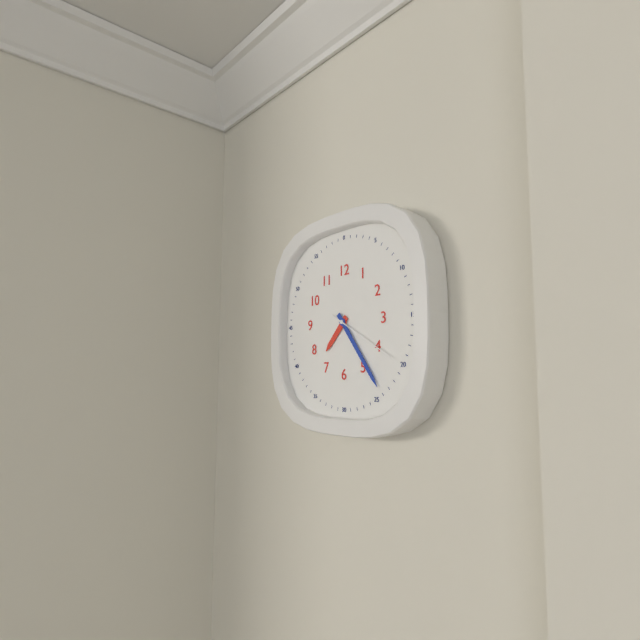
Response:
7.24.20
